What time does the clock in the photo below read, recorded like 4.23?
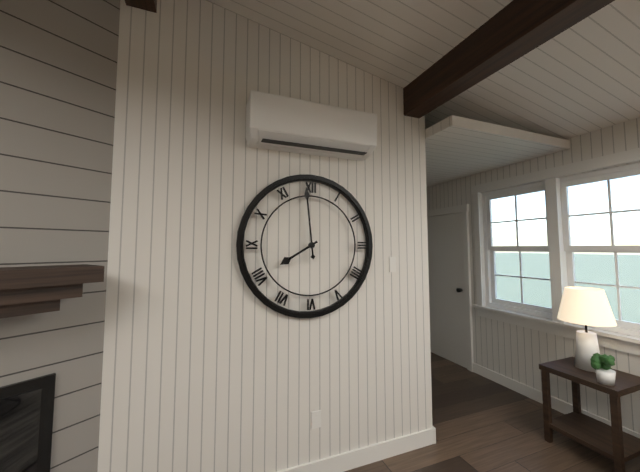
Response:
7.59
